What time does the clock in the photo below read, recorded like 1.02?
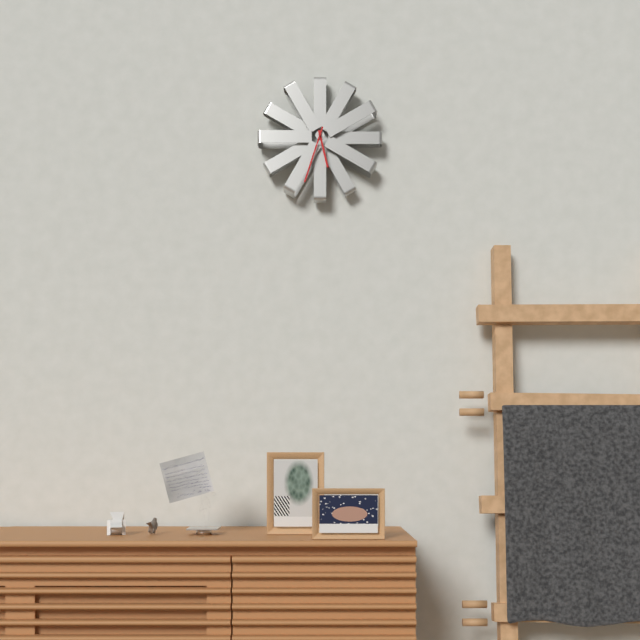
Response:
5.33
